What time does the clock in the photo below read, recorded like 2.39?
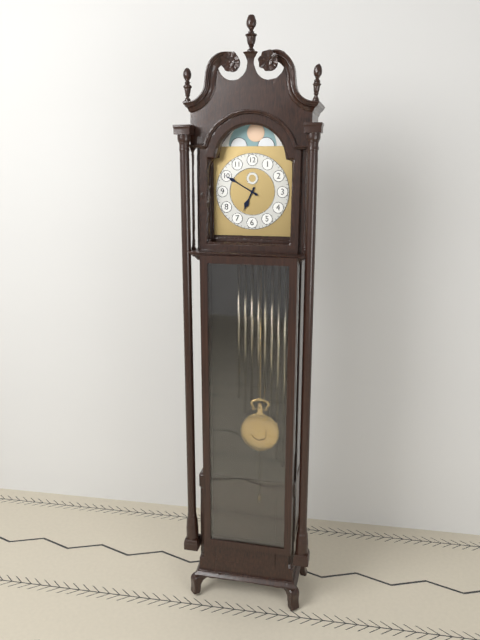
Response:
6.50
